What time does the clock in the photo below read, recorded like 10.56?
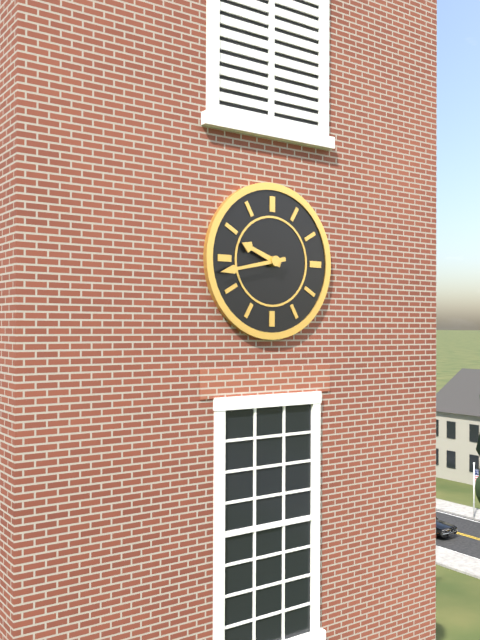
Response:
9.43
